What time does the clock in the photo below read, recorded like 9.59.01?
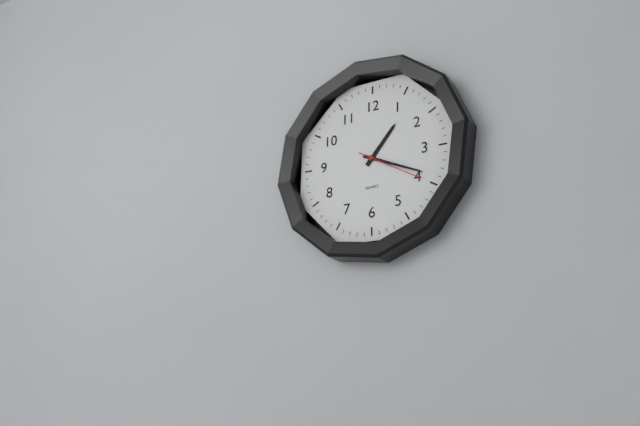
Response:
1.19.20
